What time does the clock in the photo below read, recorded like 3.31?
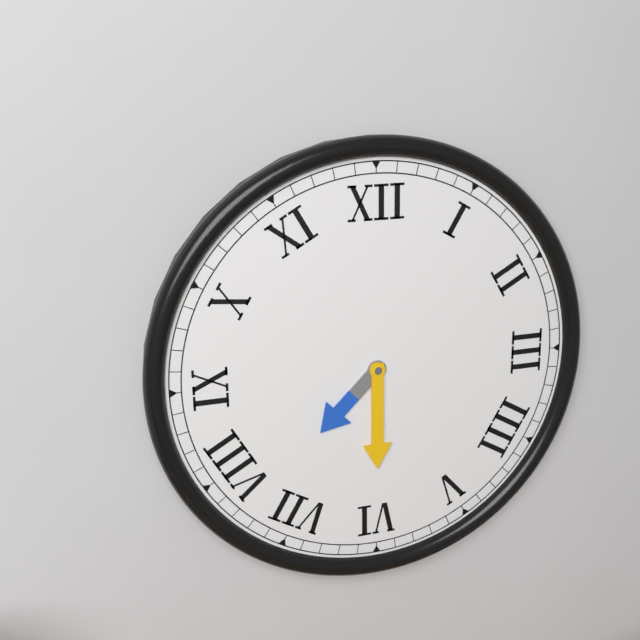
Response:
7.30
